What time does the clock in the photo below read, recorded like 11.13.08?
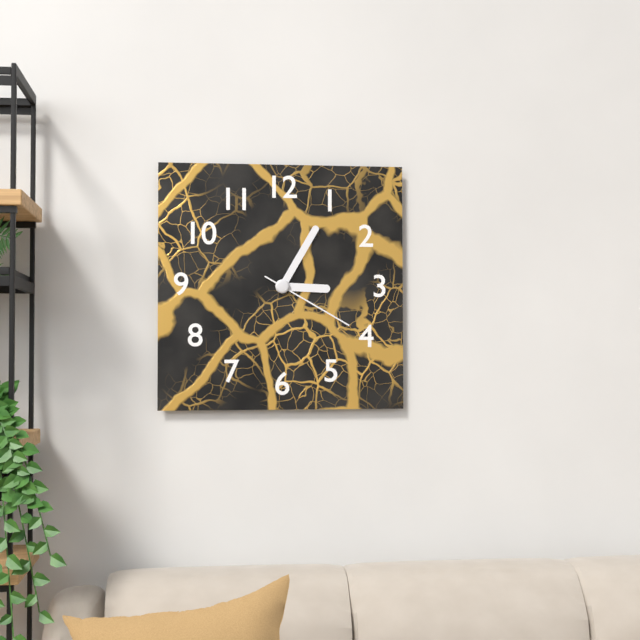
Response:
3.05.20
